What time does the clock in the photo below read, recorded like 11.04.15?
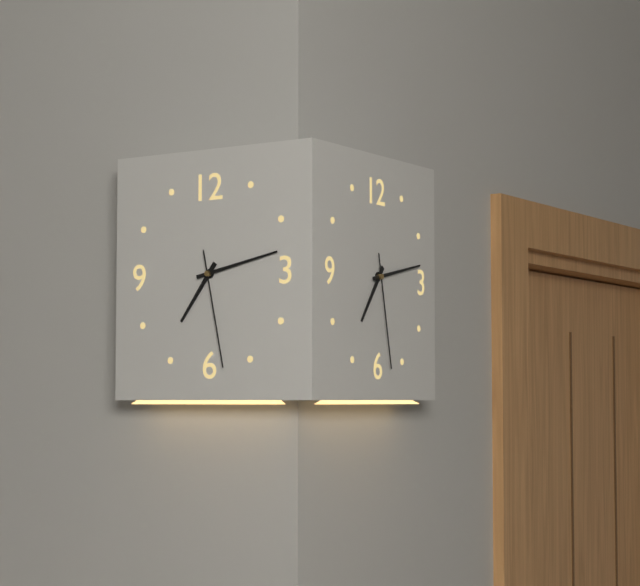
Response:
7.13.28
